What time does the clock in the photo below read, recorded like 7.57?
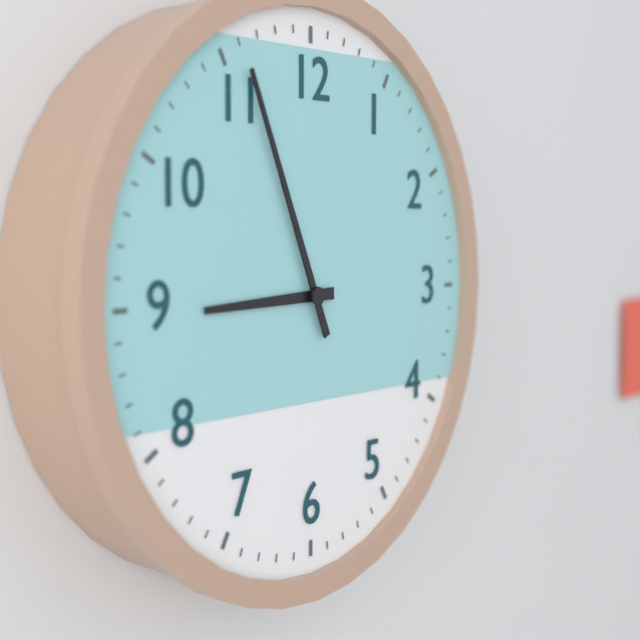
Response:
8.56
